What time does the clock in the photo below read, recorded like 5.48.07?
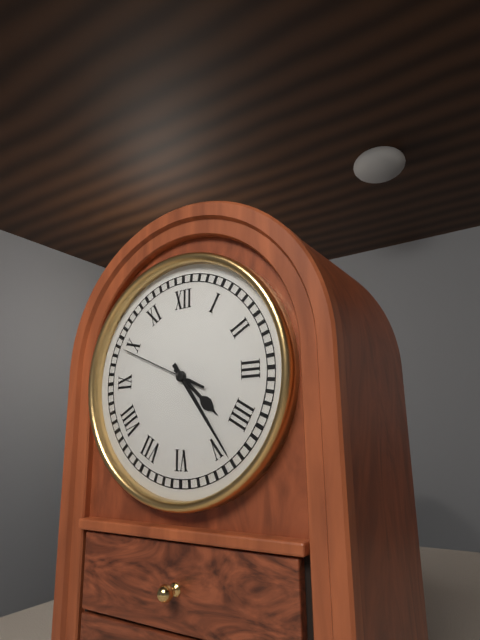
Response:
4.24.49
